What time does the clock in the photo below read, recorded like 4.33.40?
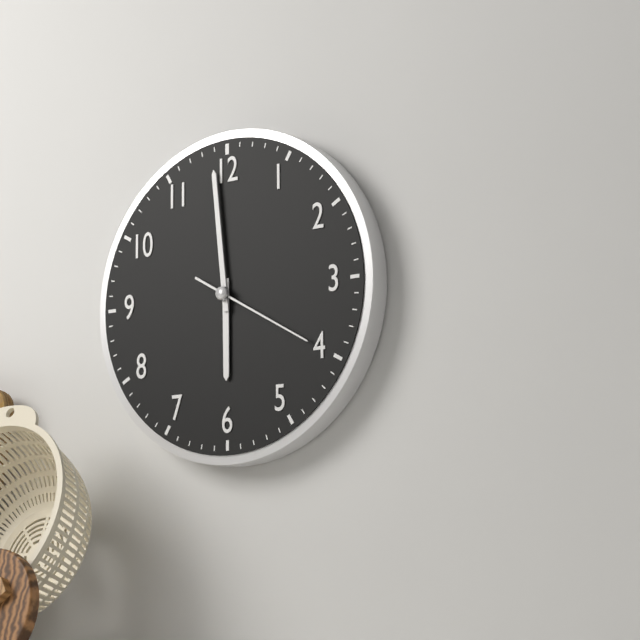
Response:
5.59.20
